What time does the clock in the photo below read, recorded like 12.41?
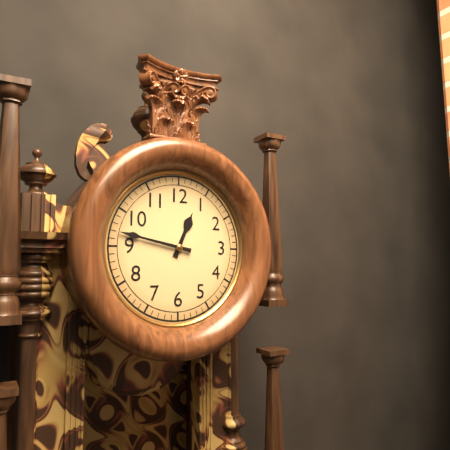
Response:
12.47
